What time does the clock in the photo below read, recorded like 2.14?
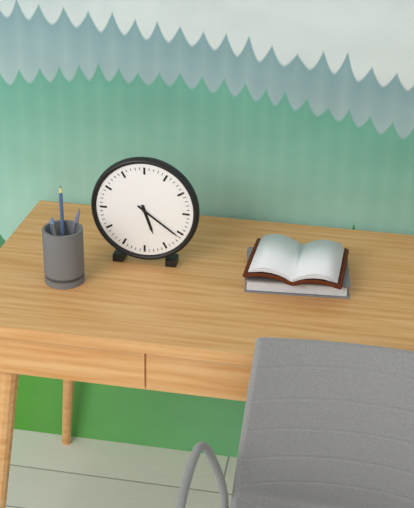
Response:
5.21
